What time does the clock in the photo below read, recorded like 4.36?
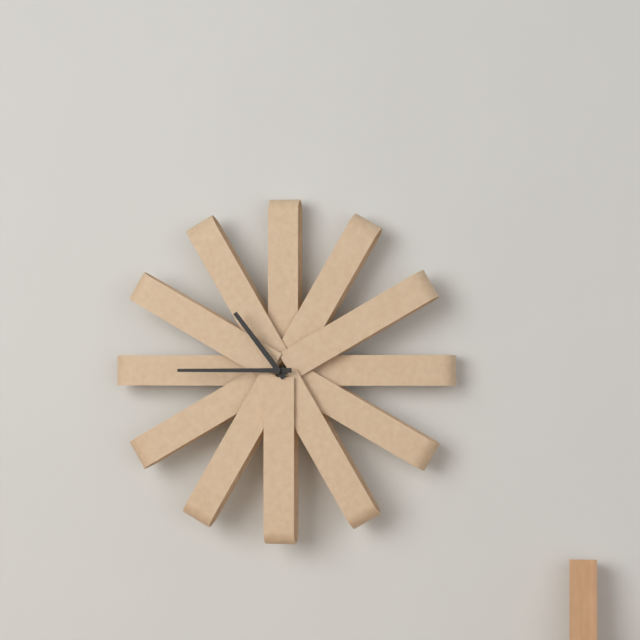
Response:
10.45
